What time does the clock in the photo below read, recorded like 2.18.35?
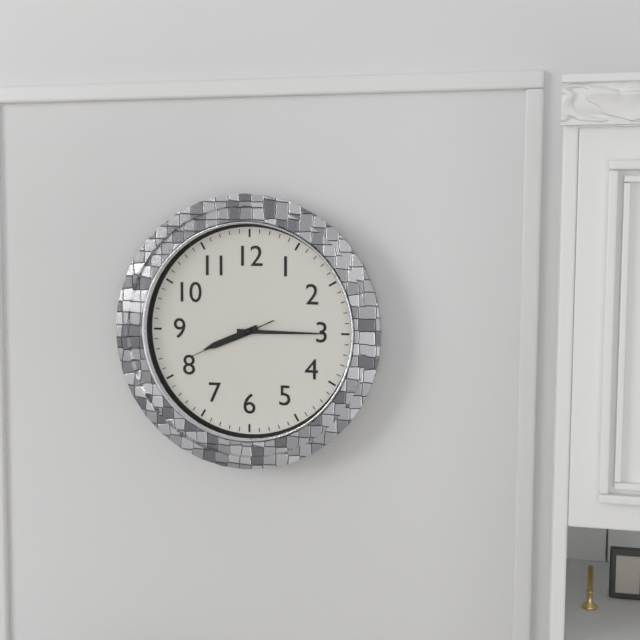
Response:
8.15.41
